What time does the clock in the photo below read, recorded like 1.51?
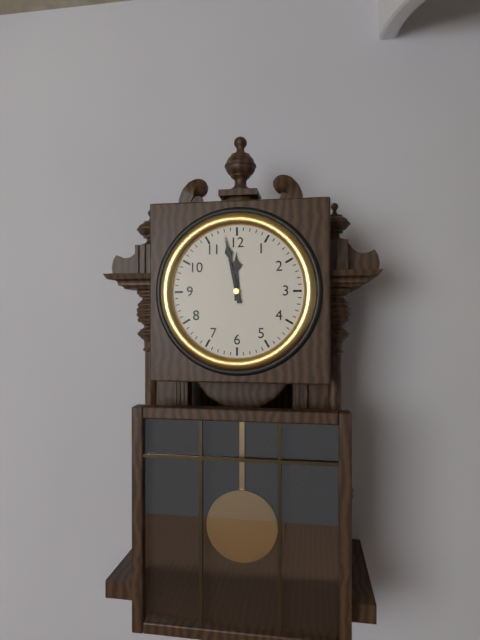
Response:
11.58
